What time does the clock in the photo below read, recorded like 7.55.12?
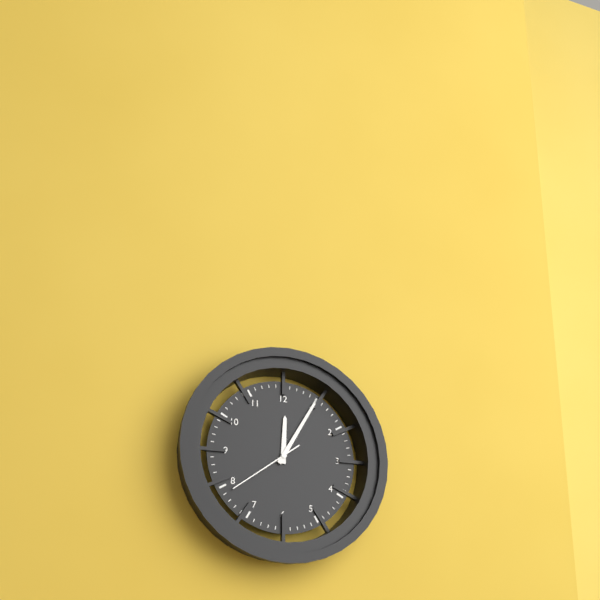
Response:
12.05.39
